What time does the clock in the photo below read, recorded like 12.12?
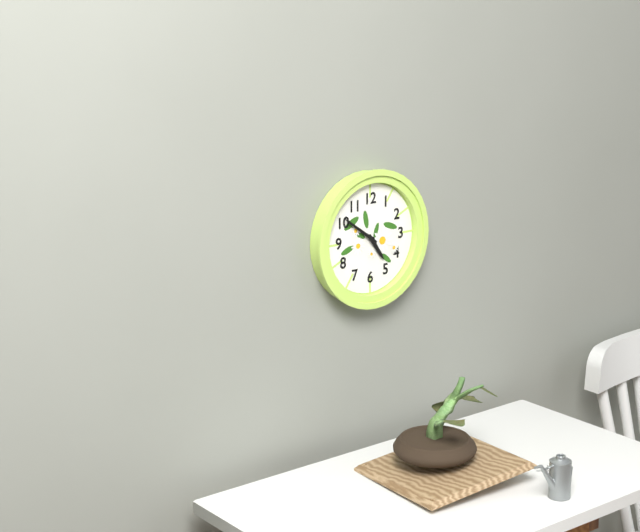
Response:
4.51
